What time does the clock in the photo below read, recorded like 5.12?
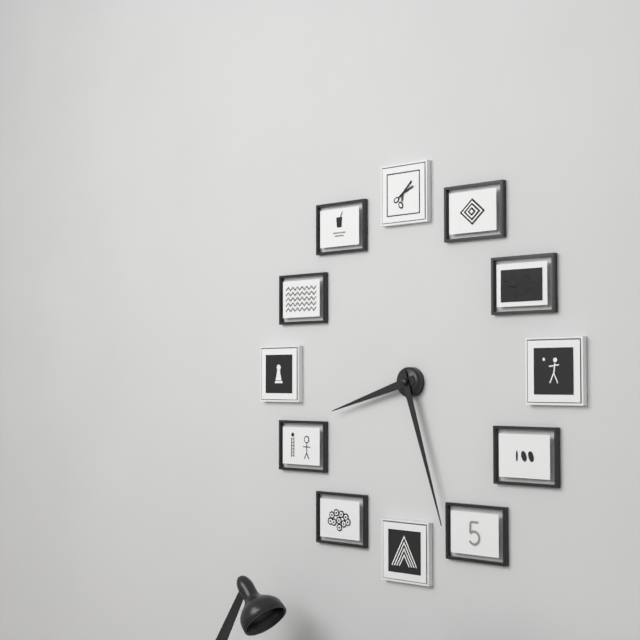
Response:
8.27
